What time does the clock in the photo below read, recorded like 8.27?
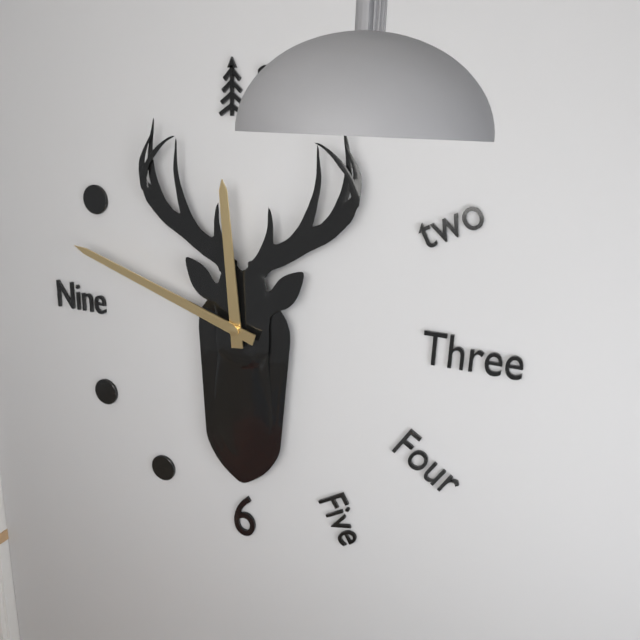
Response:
11.48
